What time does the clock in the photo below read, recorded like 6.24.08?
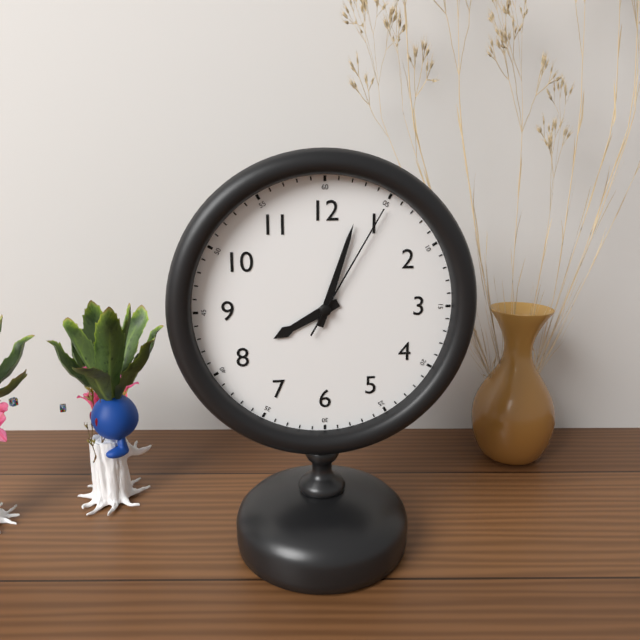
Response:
8.03.05
